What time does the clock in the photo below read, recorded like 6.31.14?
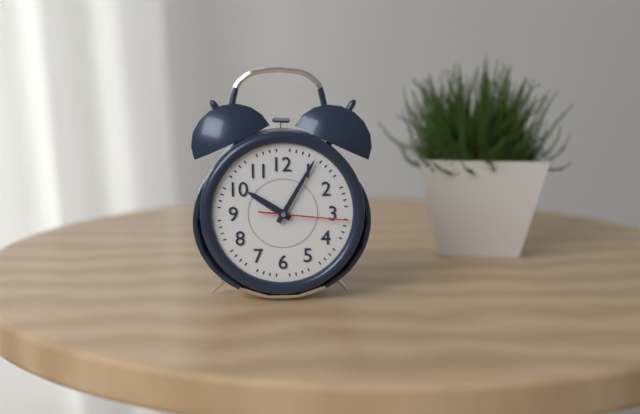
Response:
10.05.16
